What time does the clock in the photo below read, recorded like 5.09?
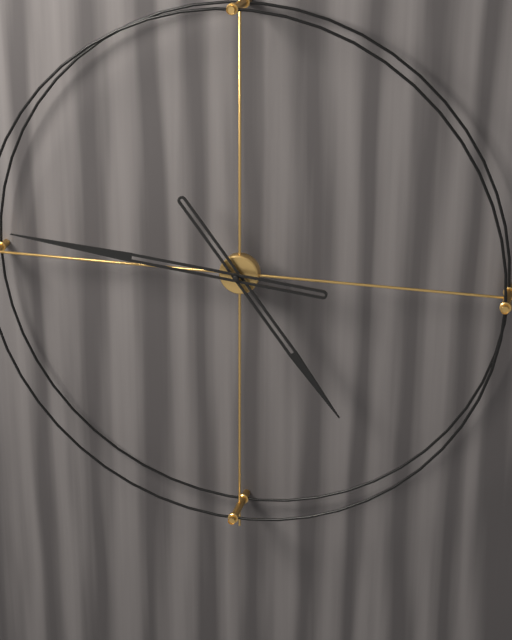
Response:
4.46
